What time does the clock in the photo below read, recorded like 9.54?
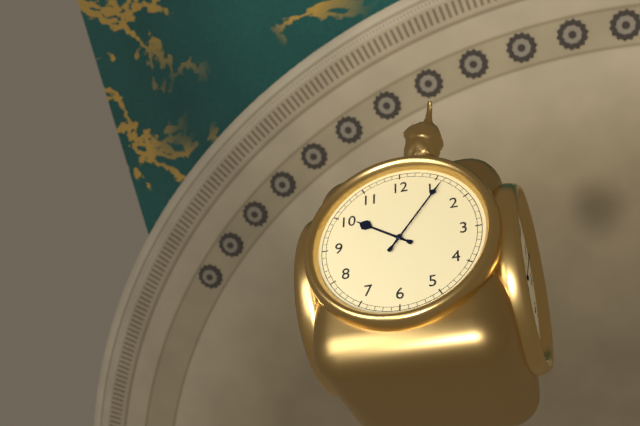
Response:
10.06
